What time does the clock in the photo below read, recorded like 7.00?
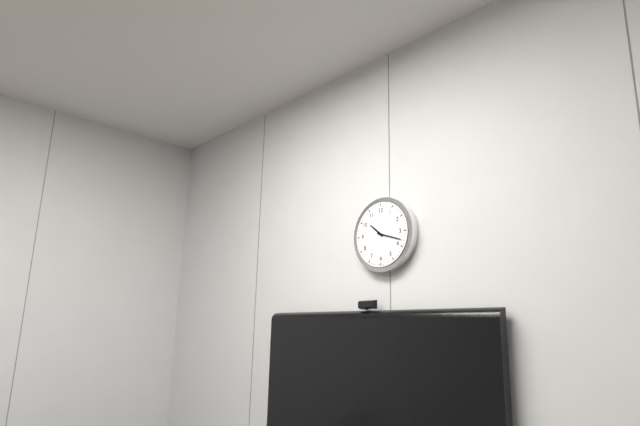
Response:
10.18
